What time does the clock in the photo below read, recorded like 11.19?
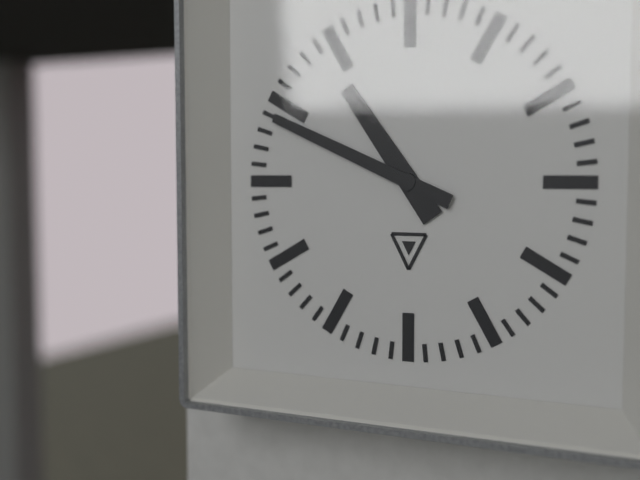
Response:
10.49
